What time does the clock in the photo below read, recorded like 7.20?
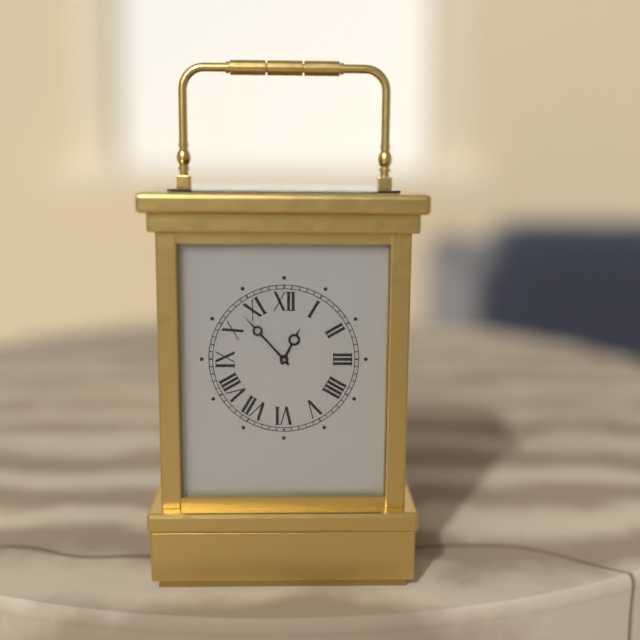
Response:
12.53
